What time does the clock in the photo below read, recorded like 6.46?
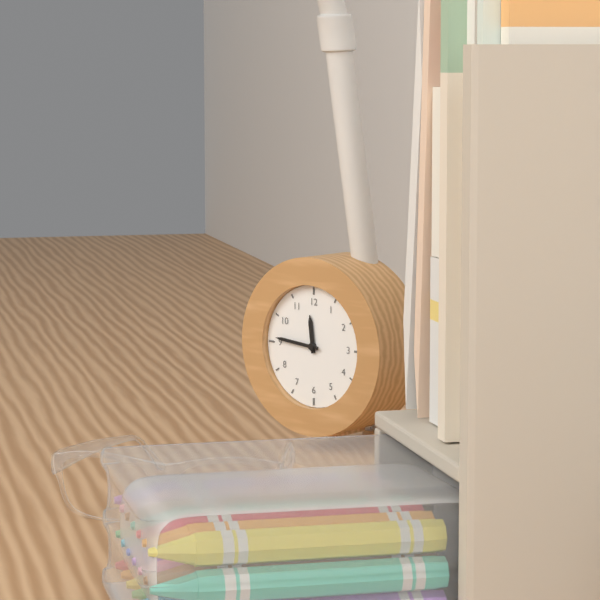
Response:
11.46
